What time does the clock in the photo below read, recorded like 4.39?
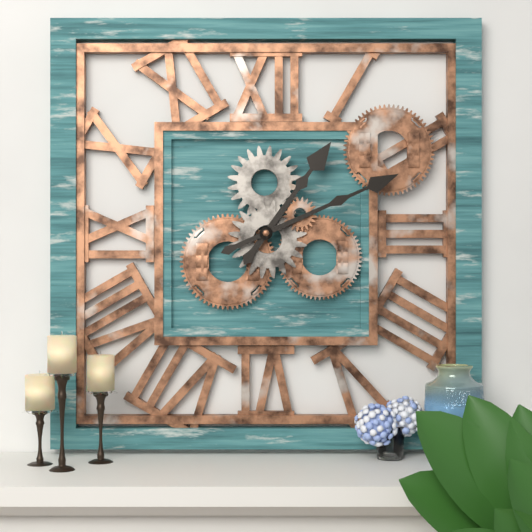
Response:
1.11
